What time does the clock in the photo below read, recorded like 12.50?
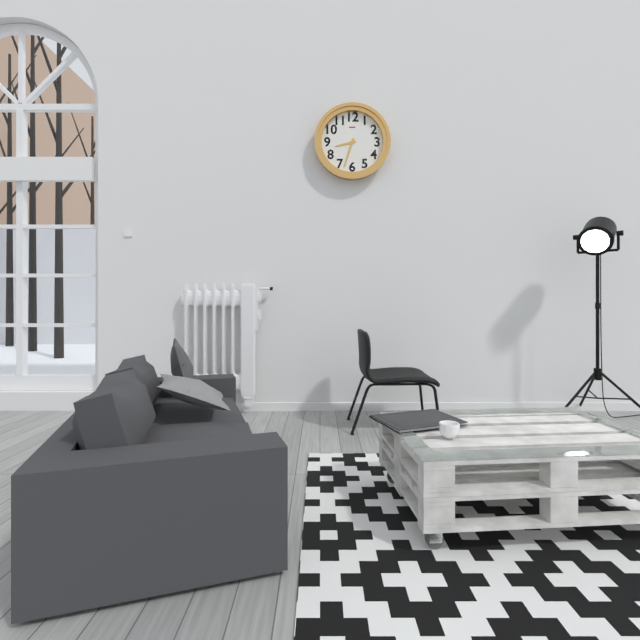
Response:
8.33
